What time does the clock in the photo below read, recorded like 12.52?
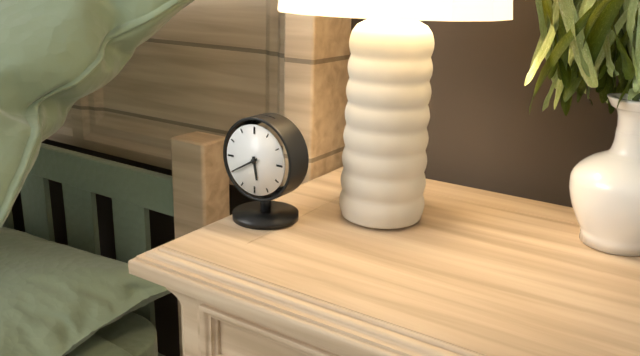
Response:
5.40
